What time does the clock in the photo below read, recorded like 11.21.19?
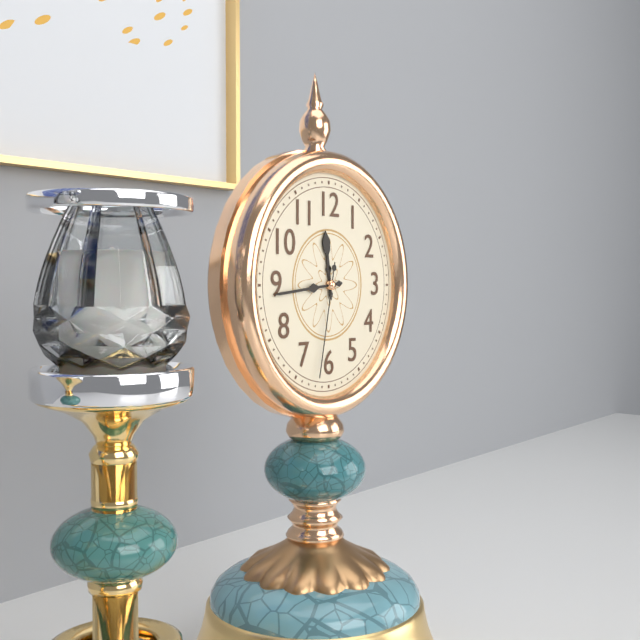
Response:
11.44.32
